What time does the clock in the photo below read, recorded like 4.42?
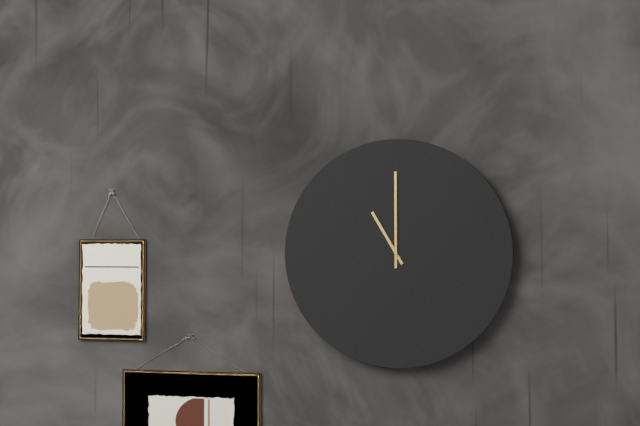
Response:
11.00
